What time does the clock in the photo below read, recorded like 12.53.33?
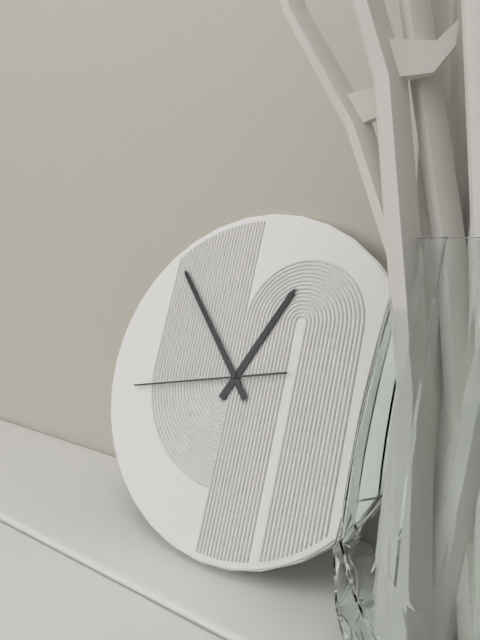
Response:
12.53.43
